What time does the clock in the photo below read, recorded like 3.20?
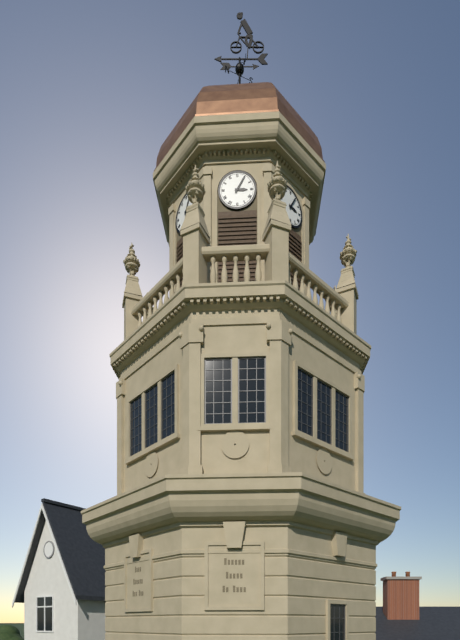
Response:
3.05
